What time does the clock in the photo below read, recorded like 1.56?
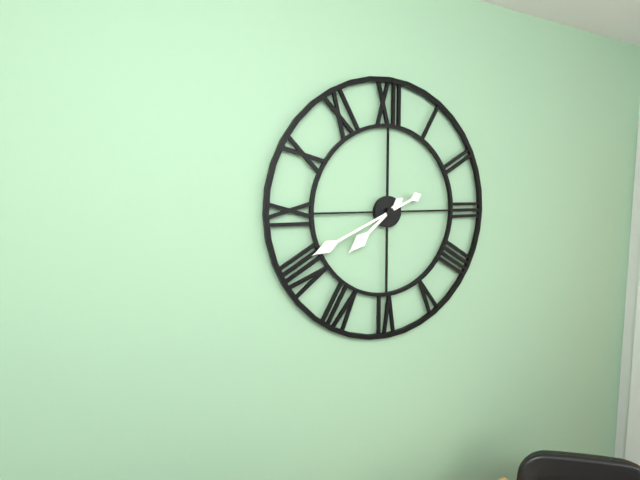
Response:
7.41
